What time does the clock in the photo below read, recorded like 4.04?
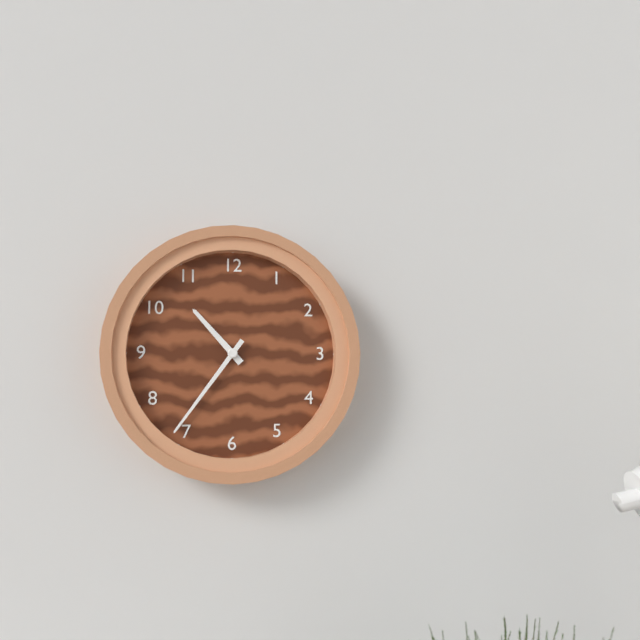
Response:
10.36
